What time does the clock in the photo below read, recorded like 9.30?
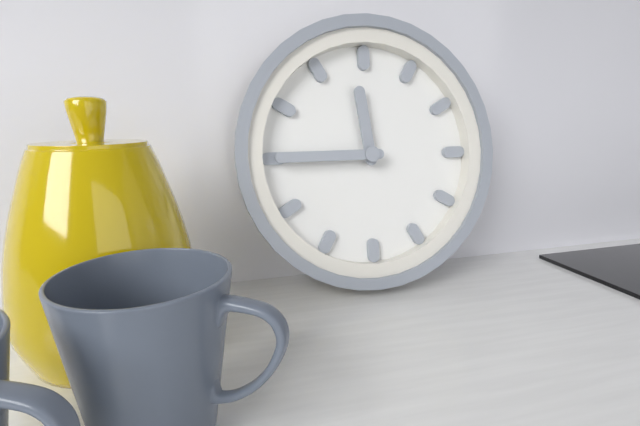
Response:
11.45
